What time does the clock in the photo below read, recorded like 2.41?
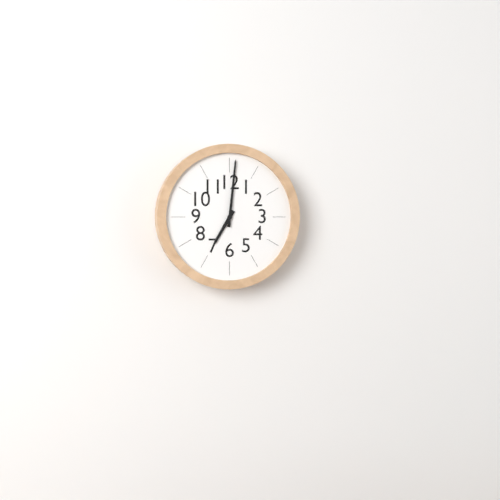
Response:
7.01
